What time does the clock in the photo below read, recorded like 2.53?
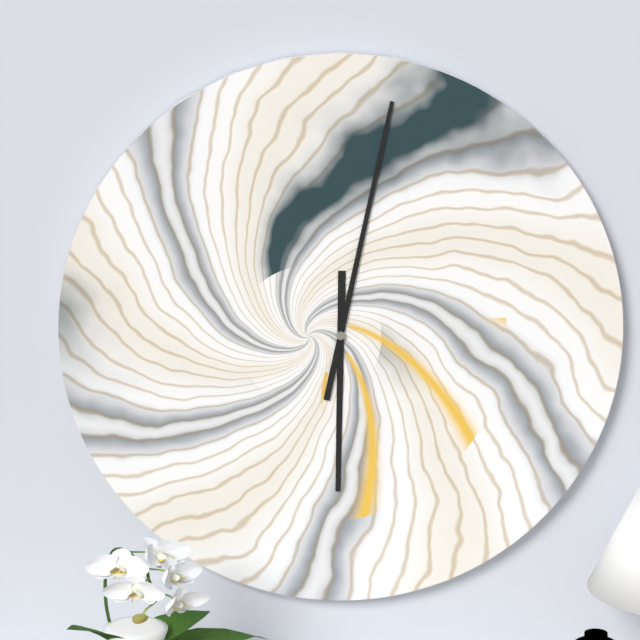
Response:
6.02
